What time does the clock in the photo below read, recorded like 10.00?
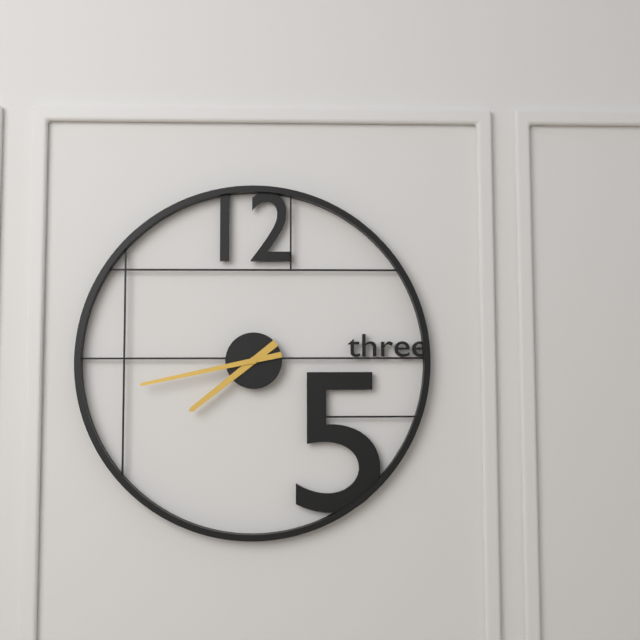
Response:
7.43
